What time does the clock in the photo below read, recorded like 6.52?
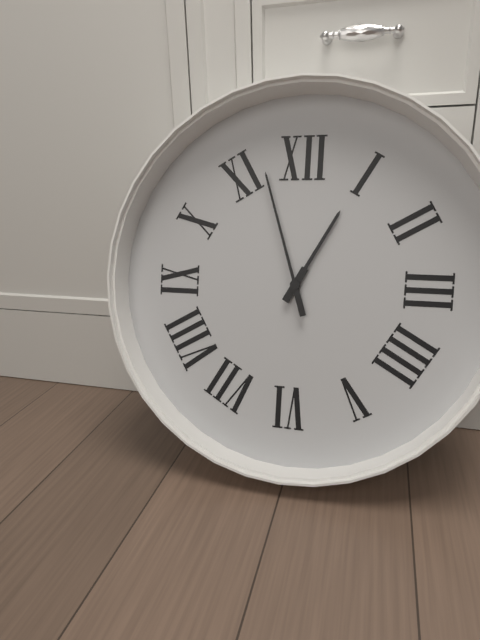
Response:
12.57
